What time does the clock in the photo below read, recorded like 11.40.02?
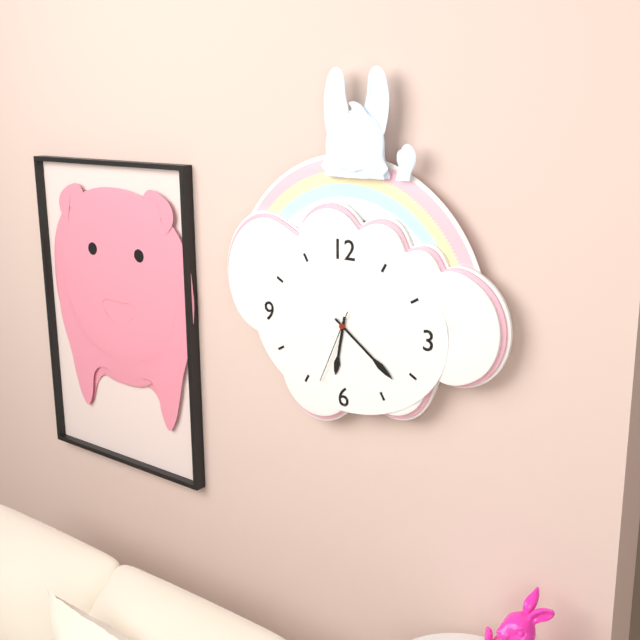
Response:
6.21.34
